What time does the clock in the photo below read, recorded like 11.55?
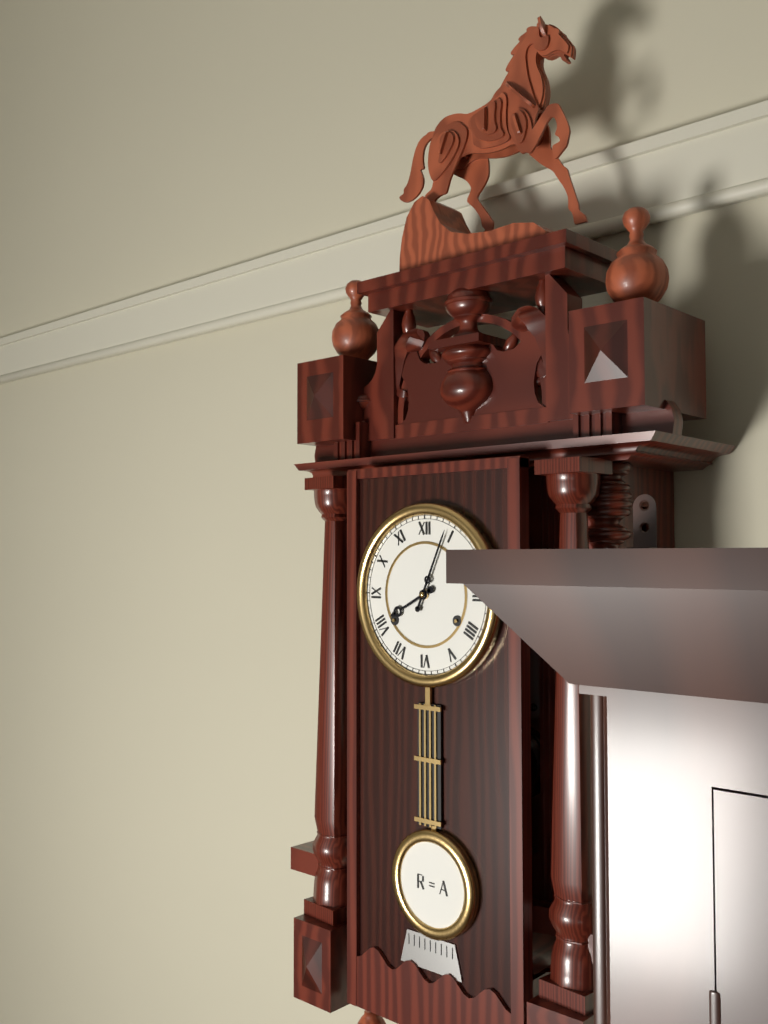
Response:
8.04
